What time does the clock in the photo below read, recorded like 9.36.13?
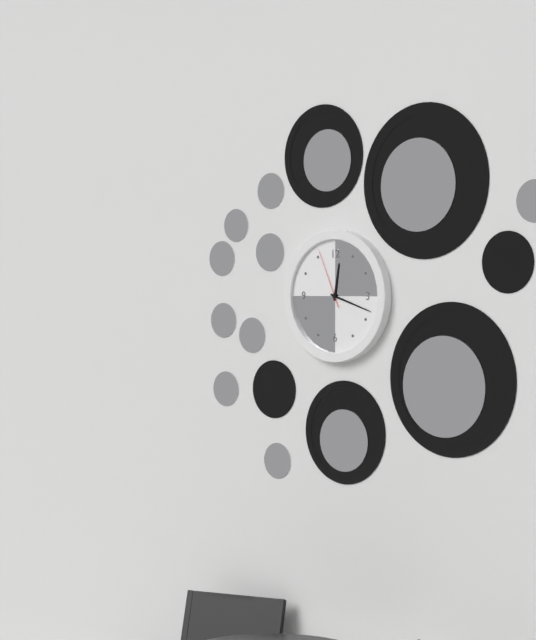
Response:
12.18.56
